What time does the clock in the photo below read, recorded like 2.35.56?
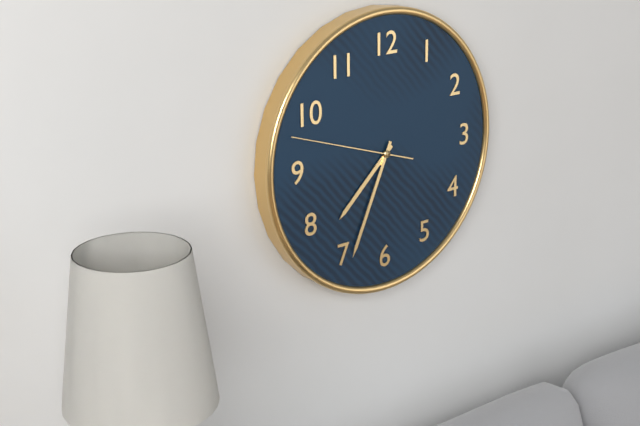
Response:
7.34.48
